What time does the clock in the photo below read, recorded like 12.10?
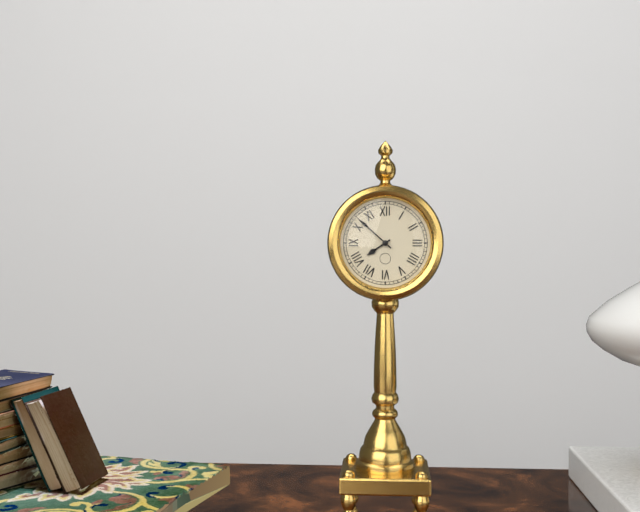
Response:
7.52
